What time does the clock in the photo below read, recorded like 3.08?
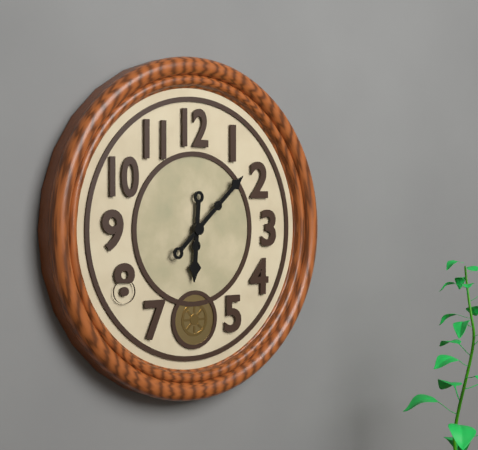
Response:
6.08
